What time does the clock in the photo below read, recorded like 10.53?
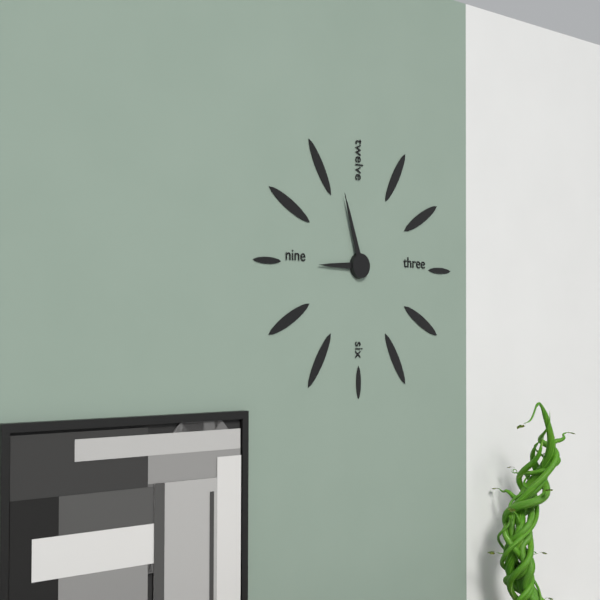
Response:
8.57
